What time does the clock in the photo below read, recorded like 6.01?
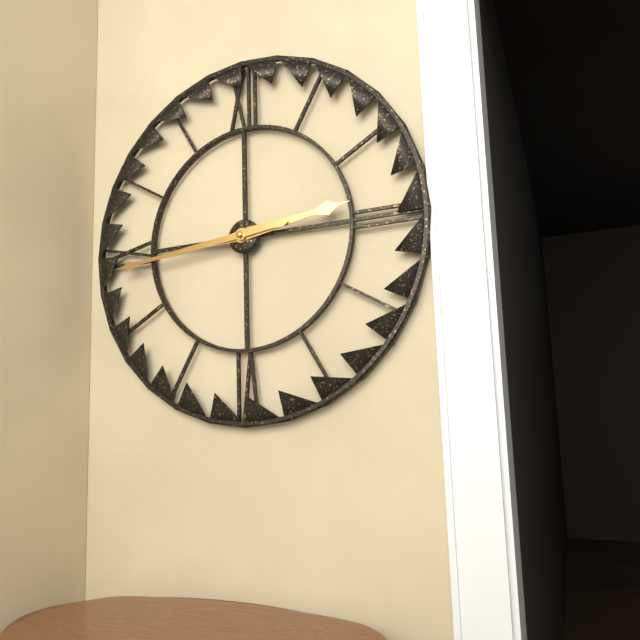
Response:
2.44
